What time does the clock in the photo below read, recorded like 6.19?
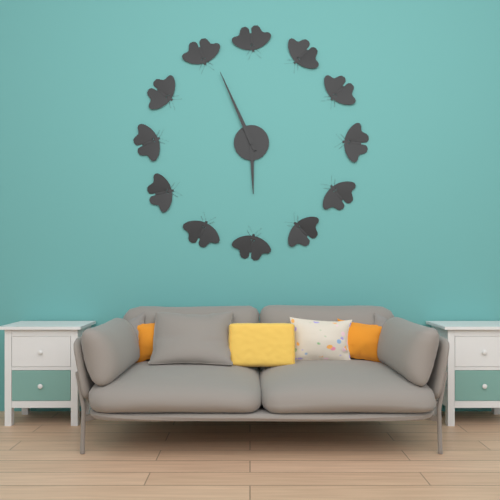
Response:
5.56
